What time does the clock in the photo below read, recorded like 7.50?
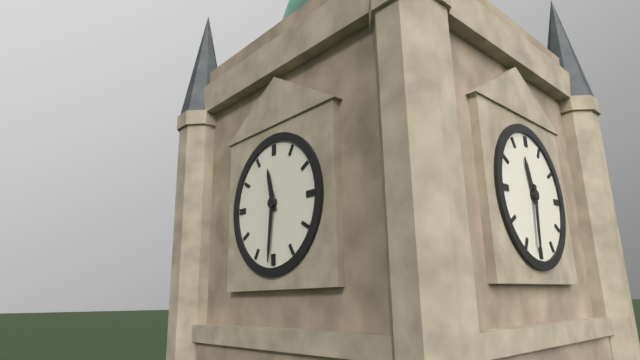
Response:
11.31
